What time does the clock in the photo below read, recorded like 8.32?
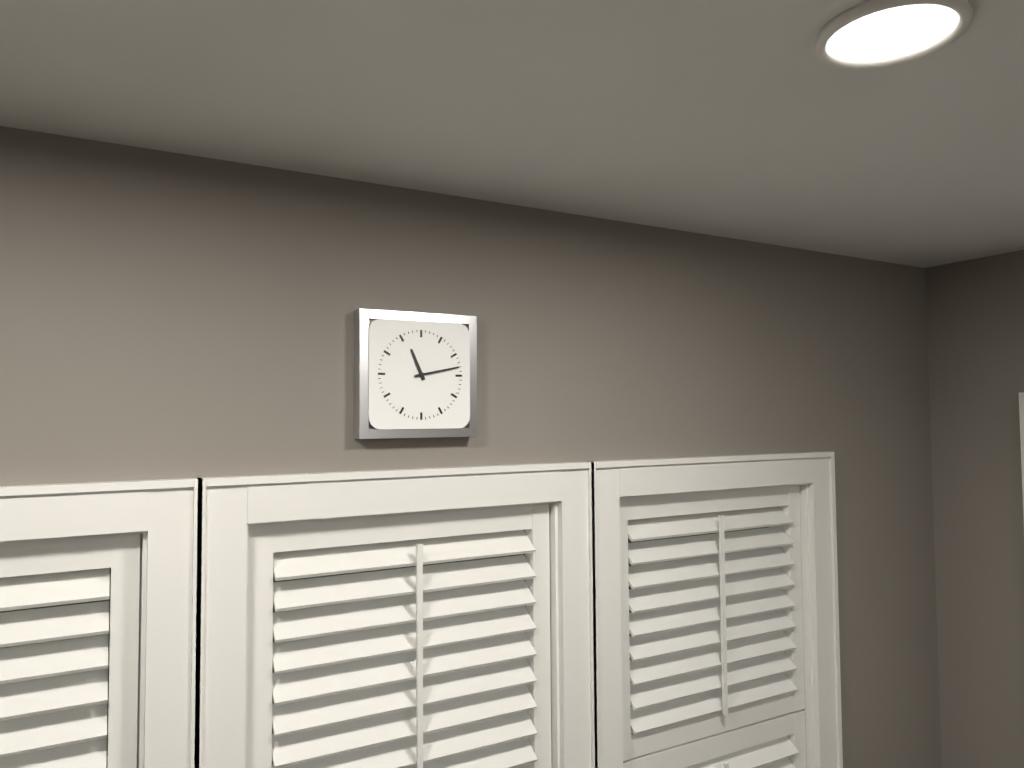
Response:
11.13
